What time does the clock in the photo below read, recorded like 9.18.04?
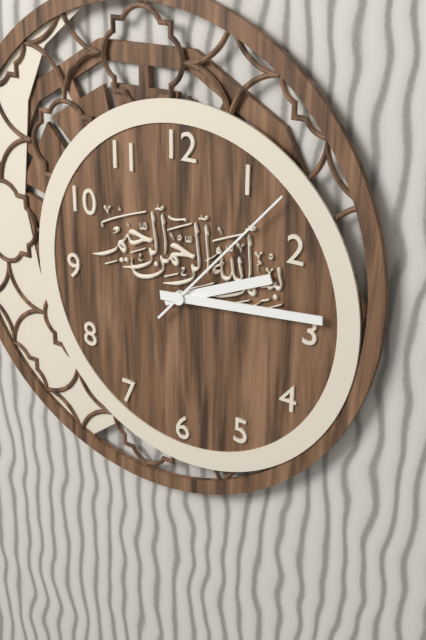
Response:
2.14.07
